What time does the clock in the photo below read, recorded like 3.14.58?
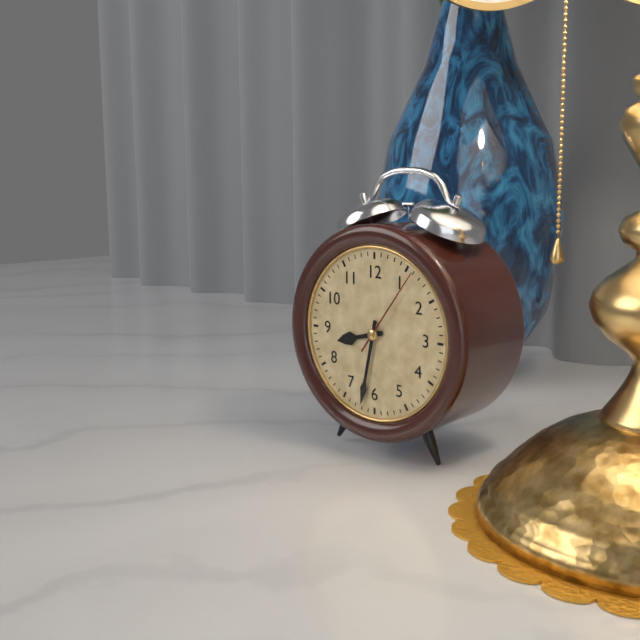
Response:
8.32.06
